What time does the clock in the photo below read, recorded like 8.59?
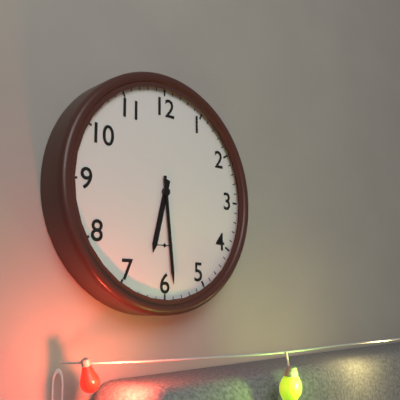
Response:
6.29
